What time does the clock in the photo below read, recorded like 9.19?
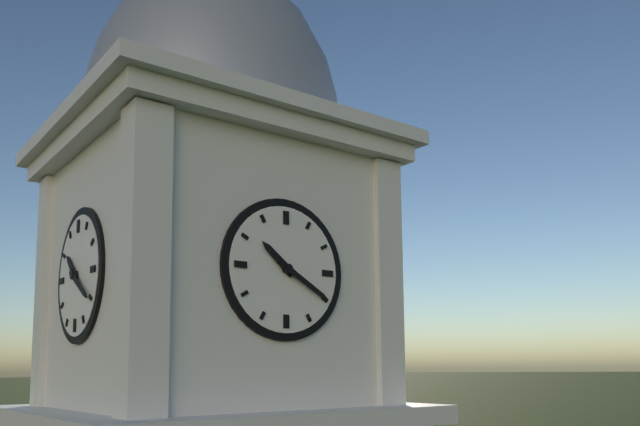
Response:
10.20
